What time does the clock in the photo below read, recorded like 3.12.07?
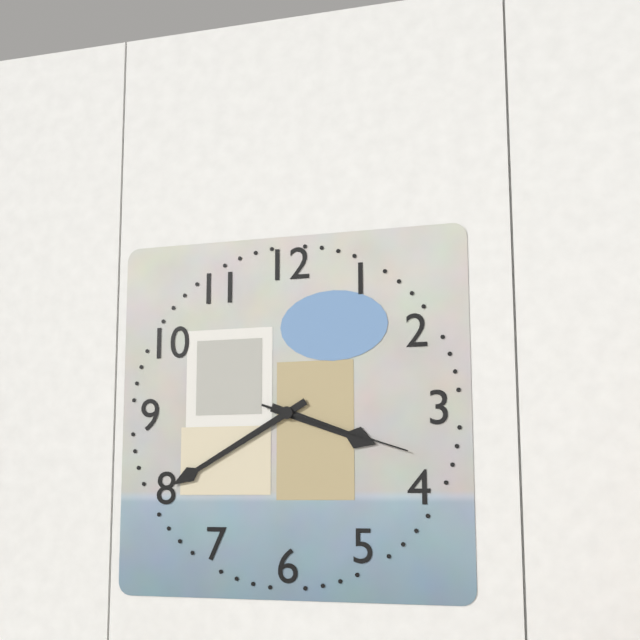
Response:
3.40.18
